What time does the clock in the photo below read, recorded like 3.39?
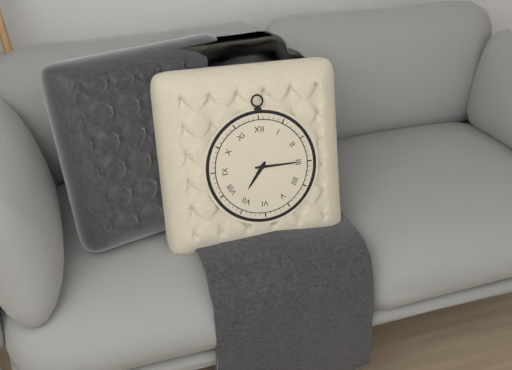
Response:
7.15
